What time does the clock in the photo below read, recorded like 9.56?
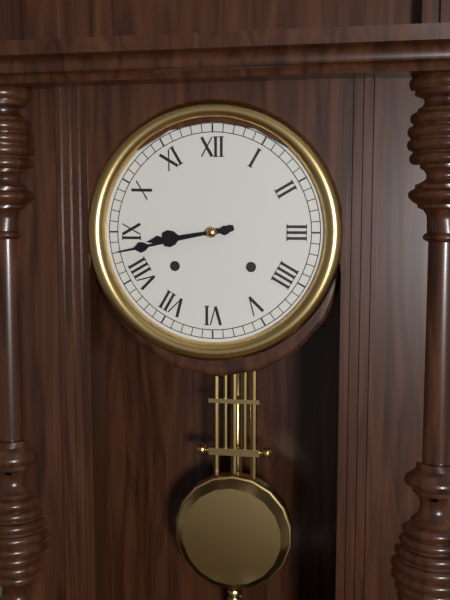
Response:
8.43
